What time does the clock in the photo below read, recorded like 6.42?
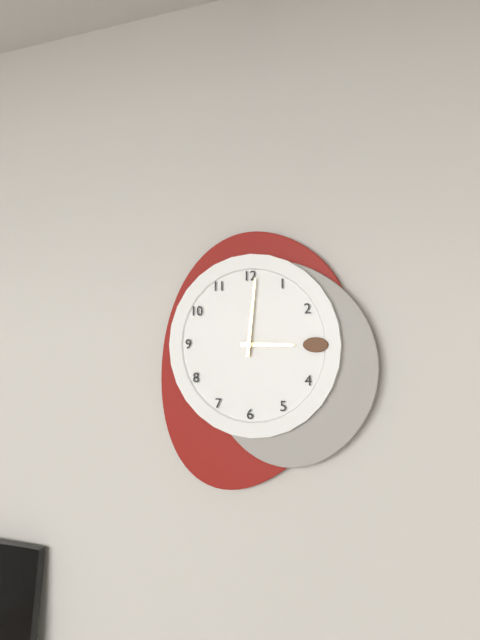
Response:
3.01
